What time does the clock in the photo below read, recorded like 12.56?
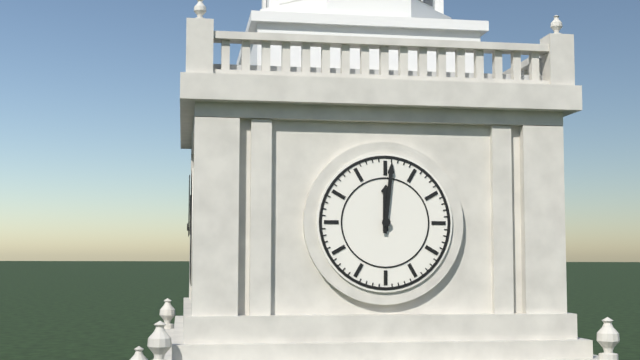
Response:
12.01
